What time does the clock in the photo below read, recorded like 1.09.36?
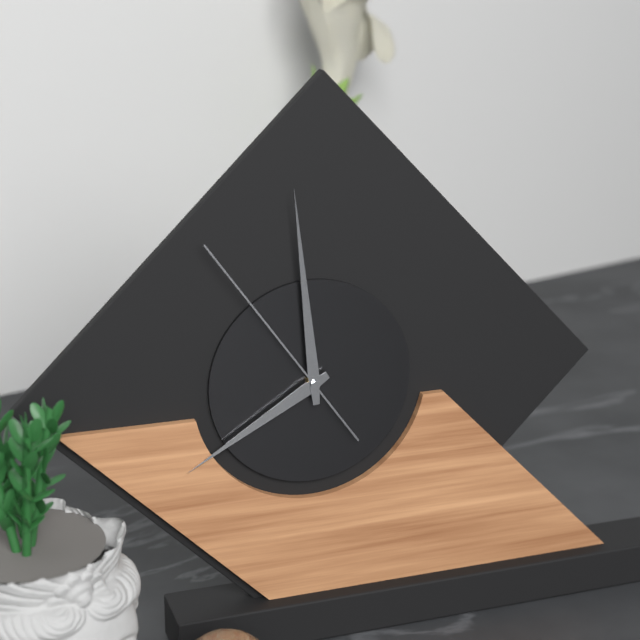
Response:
7.59.54
